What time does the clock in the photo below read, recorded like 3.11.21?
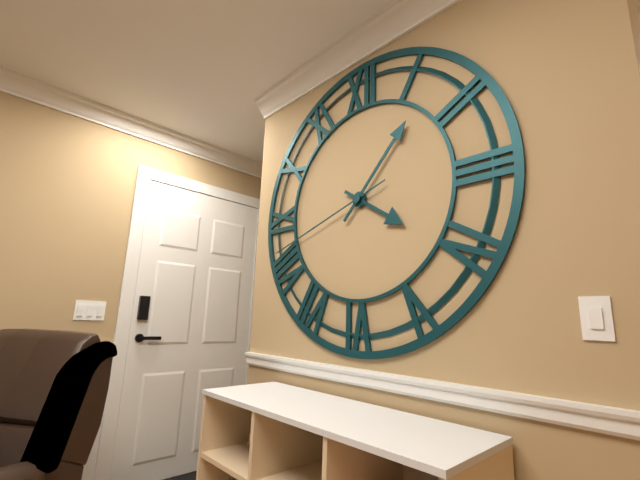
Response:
4.07.42
